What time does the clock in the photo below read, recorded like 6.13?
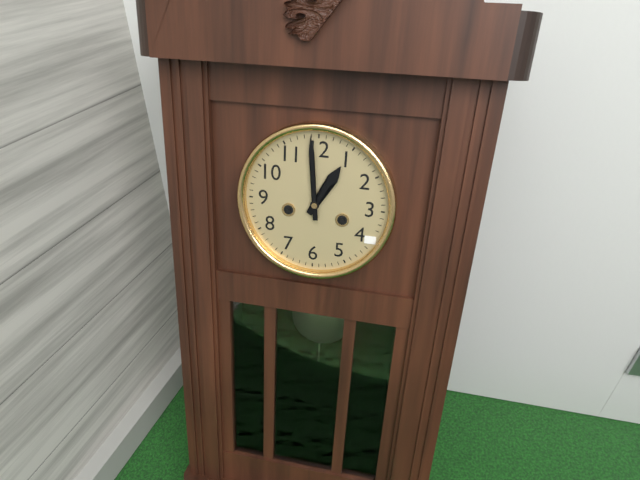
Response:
12.59
